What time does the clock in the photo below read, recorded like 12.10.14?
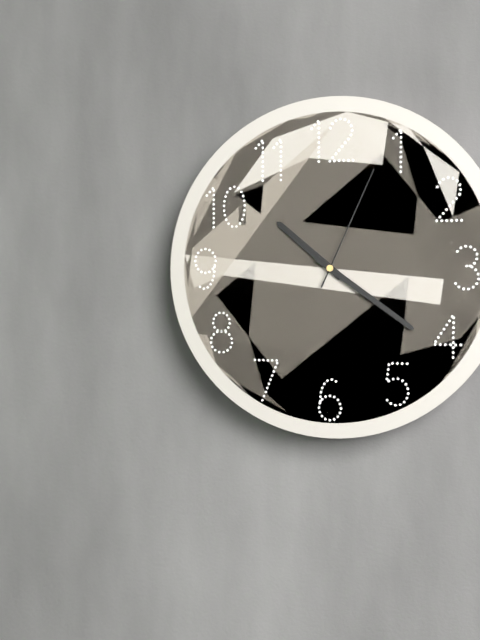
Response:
10.21.04
